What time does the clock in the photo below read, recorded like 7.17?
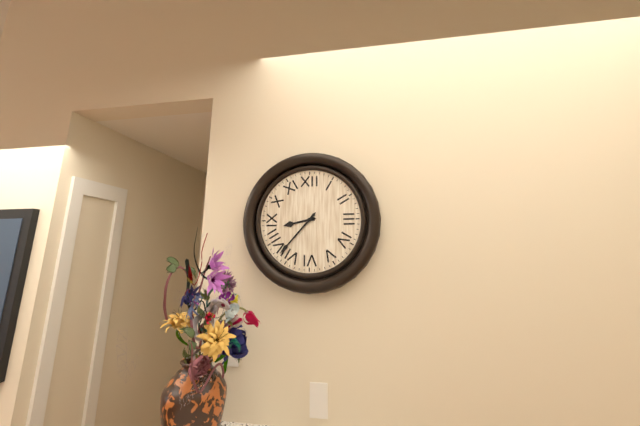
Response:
8.37
